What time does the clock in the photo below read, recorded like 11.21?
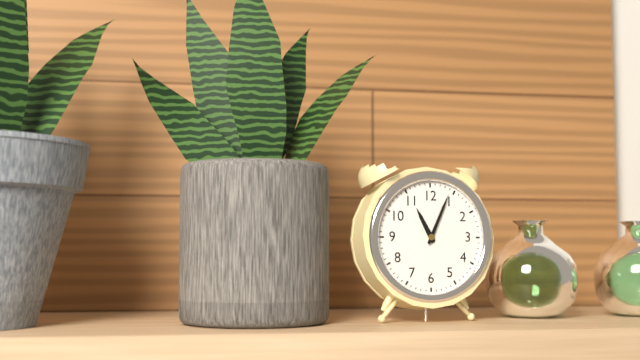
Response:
11.04
